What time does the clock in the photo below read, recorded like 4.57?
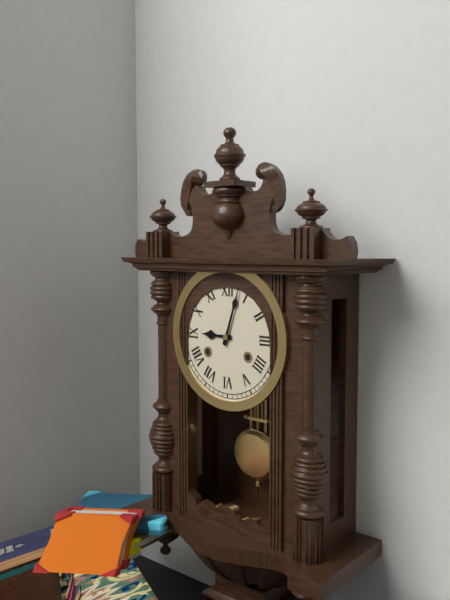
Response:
9.03
